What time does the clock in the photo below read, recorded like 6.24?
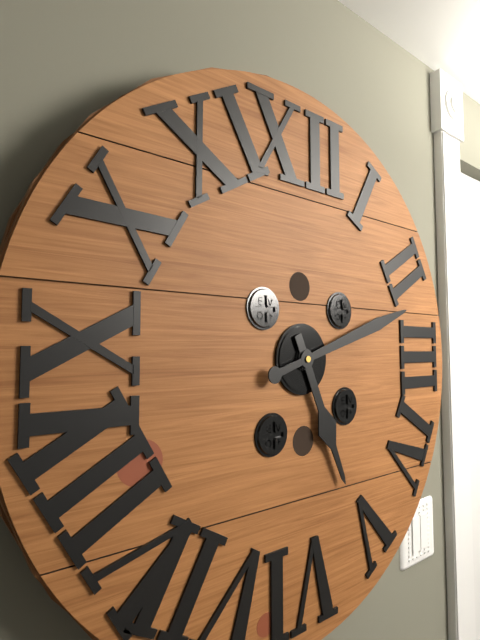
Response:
5.12
